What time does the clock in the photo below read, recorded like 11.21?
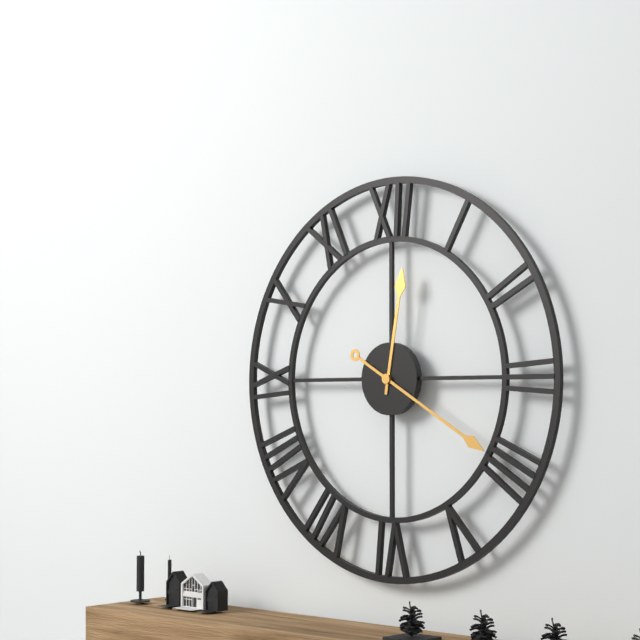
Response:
12.20
